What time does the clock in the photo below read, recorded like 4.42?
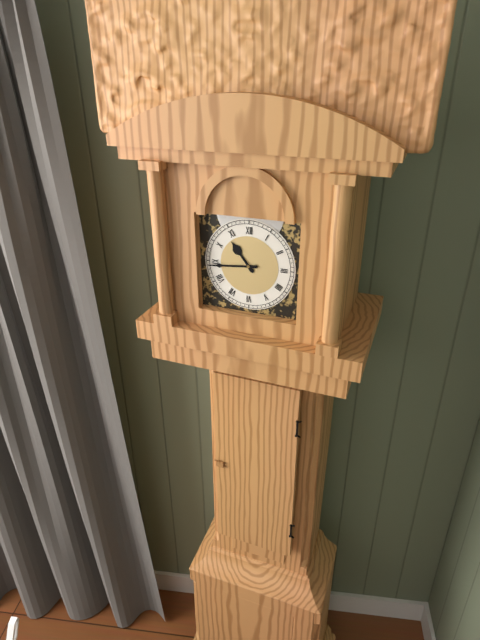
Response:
10.44
